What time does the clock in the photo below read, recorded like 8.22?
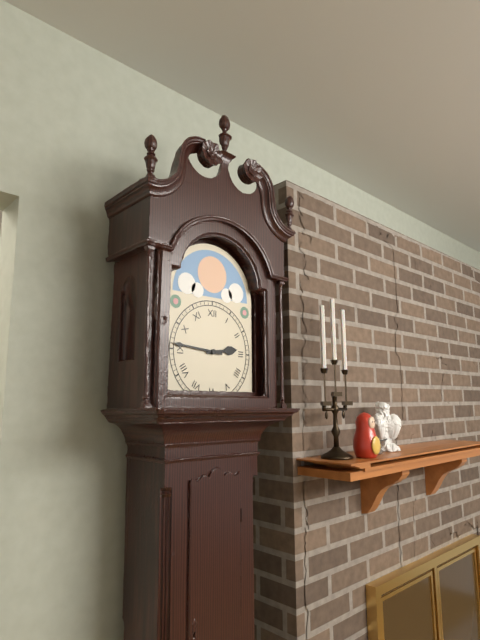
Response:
2.46
